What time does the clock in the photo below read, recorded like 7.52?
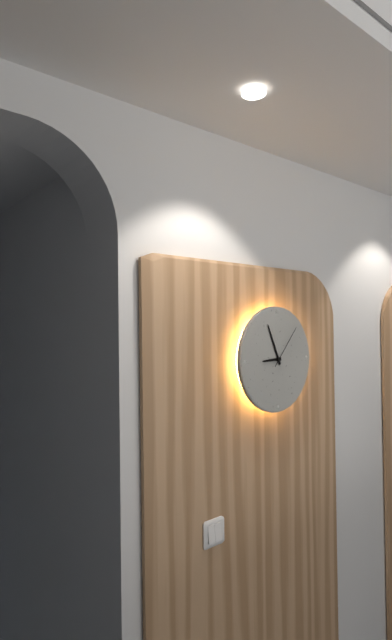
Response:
8.56
